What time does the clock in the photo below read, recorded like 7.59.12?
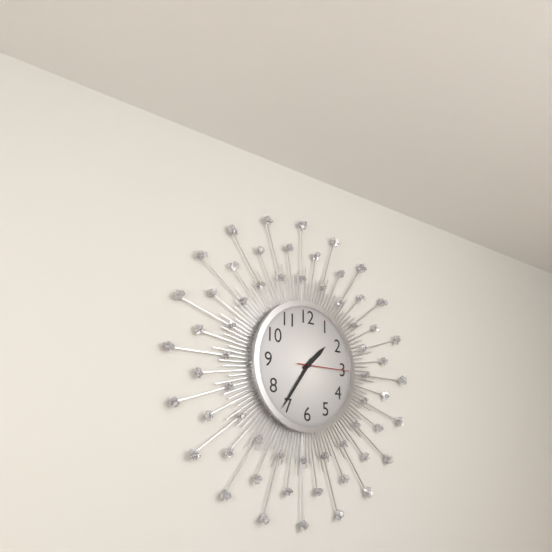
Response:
1.36.15
